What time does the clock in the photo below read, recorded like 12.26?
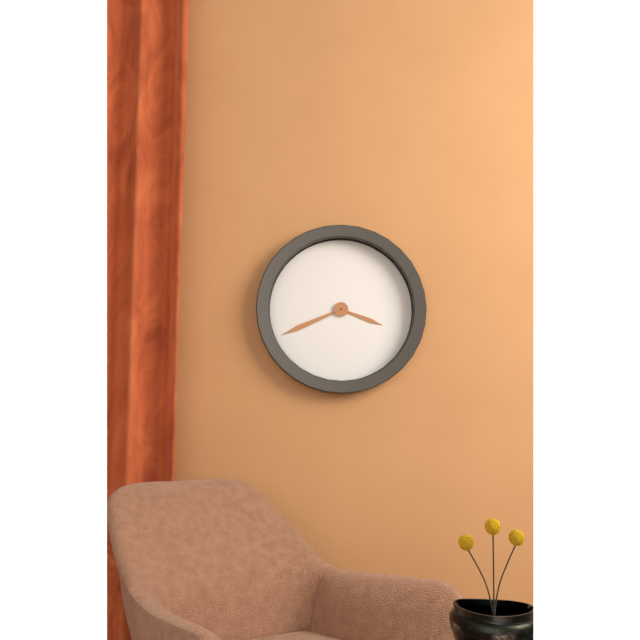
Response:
3.41
